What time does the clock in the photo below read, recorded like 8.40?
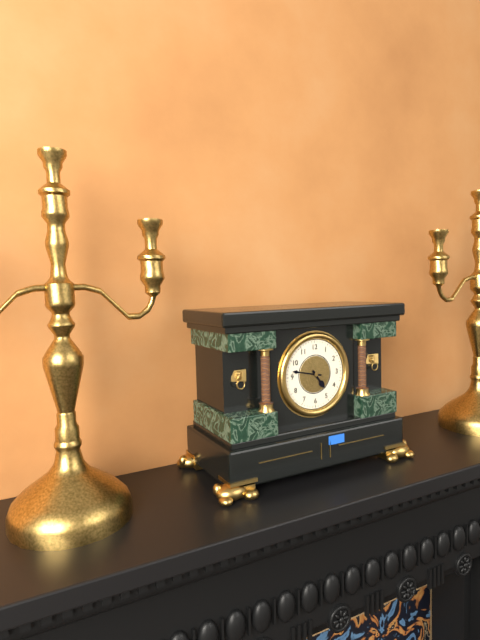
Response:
4.47
